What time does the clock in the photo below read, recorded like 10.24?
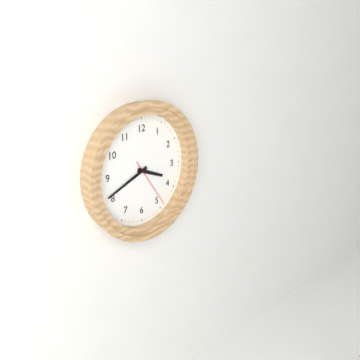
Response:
3.41
